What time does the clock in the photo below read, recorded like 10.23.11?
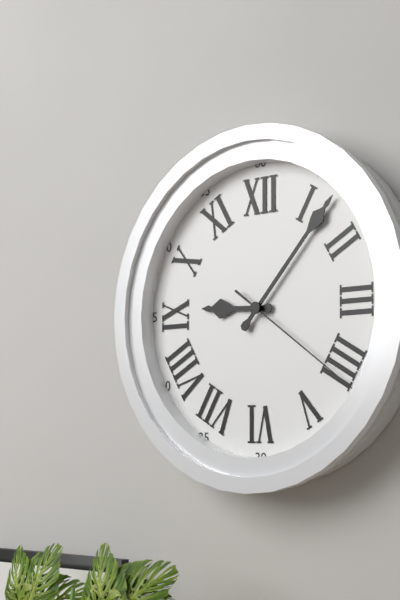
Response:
9.07.21
